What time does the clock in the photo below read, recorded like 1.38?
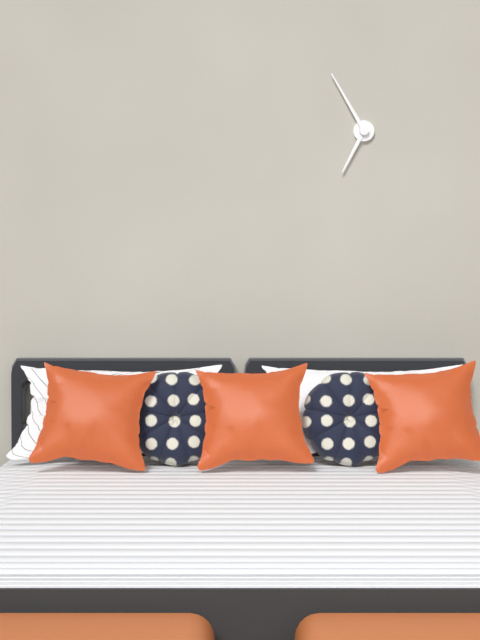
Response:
6.55
